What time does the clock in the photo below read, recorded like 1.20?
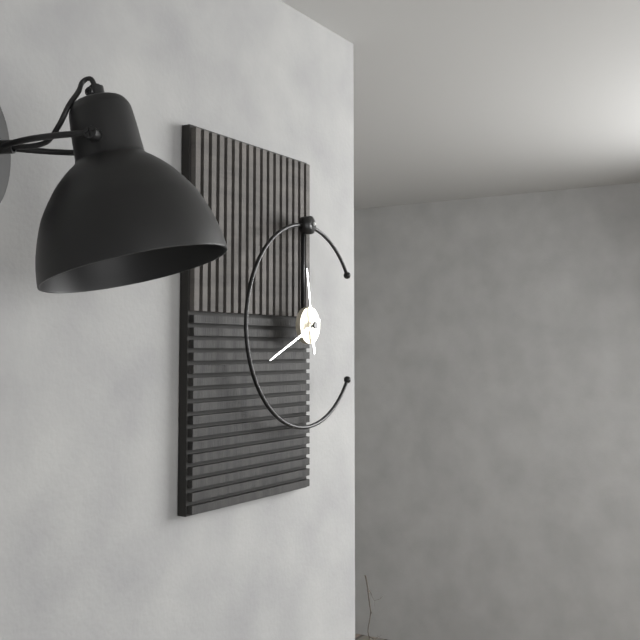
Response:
11.41
